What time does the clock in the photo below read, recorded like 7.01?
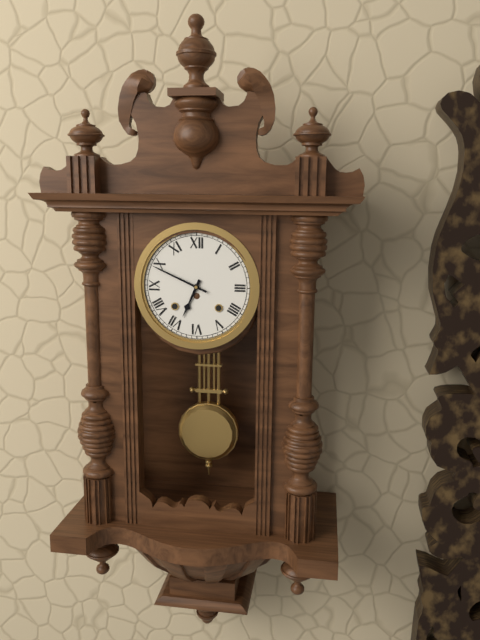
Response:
6.49
